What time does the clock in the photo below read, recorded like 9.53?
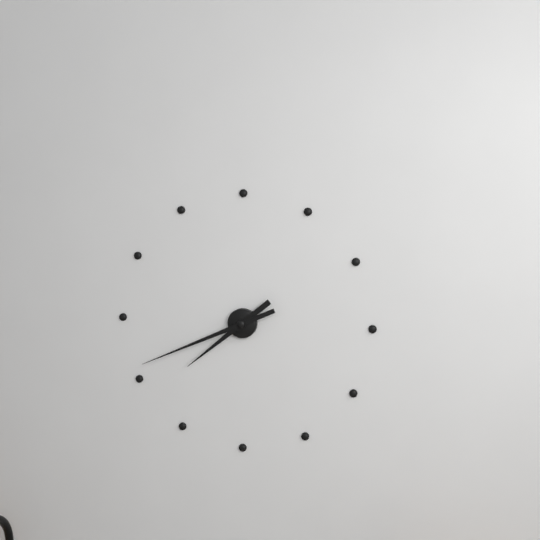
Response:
7.41
